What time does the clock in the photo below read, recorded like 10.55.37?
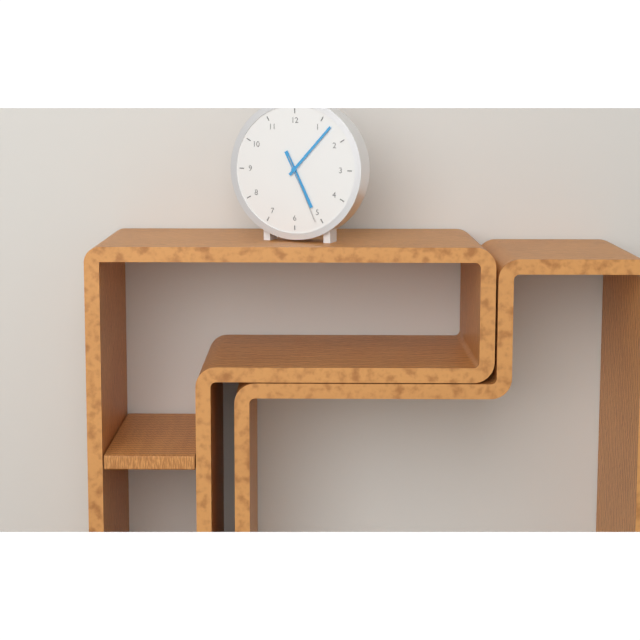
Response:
5.07.26
